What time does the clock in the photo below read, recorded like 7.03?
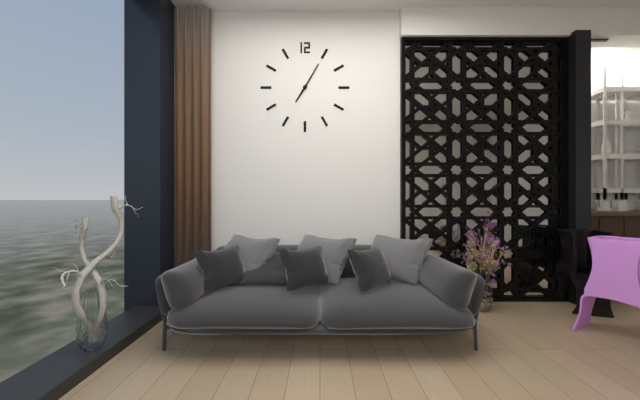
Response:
7.05
